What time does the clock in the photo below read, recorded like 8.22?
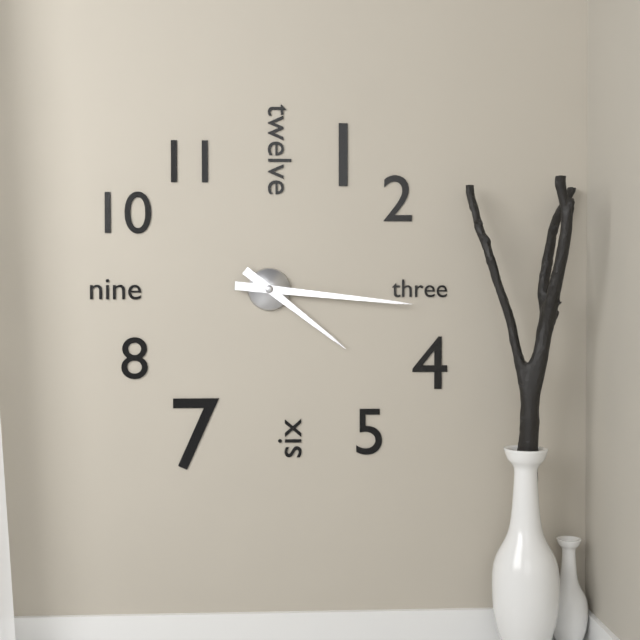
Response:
4.16
